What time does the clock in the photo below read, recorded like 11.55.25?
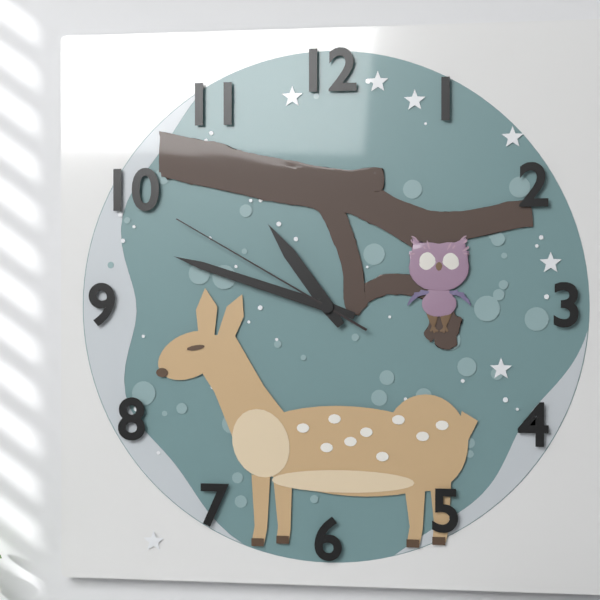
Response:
10.48.50
